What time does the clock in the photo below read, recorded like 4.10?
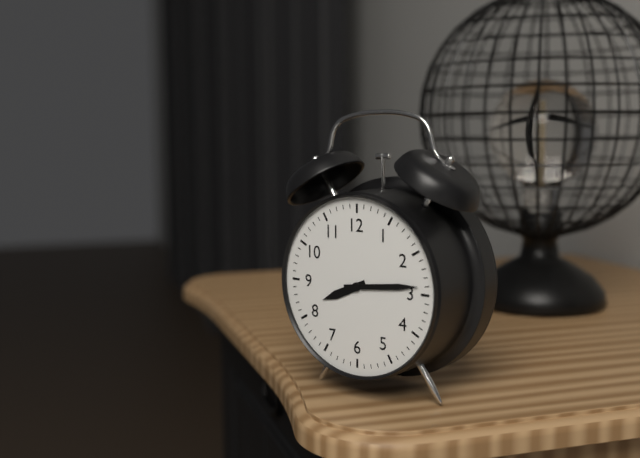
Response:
8.14
